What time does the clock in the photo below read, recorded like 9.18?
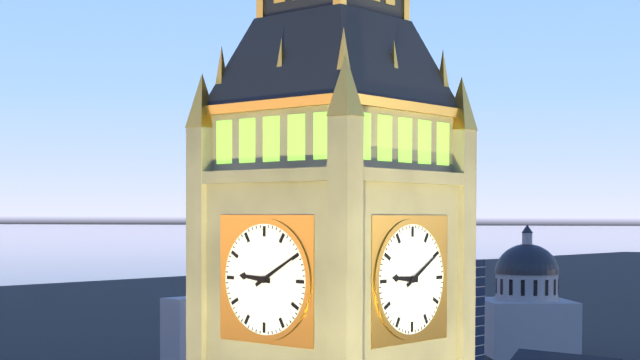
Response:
9.10
